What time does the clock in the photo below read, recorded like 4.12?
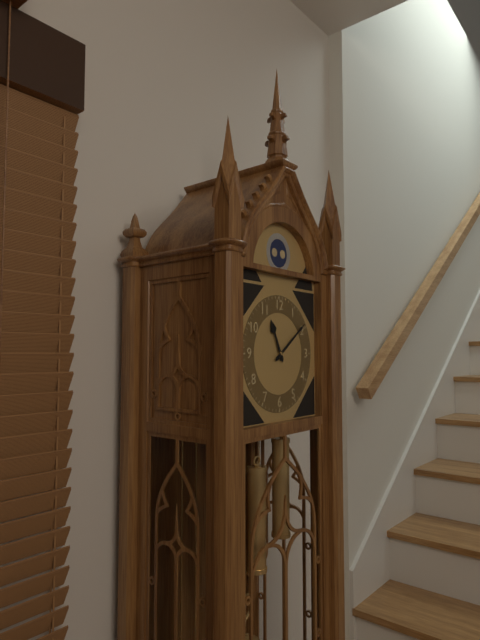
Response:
11.09
